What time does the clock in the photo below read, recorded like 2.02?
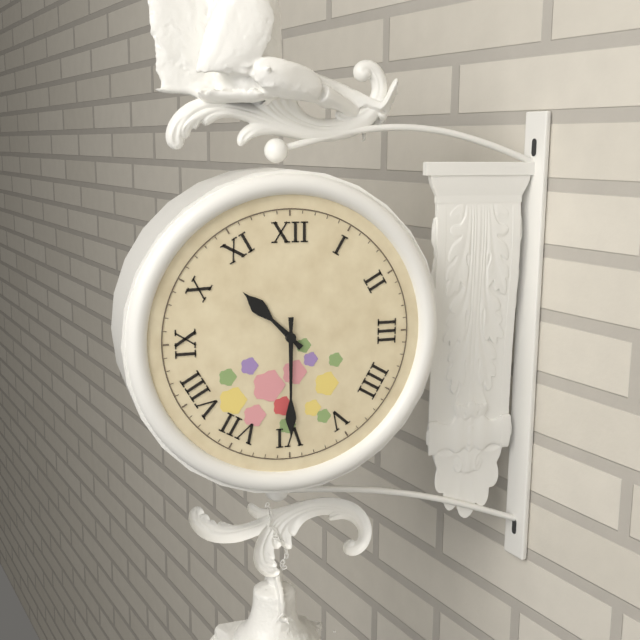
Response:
10.30
